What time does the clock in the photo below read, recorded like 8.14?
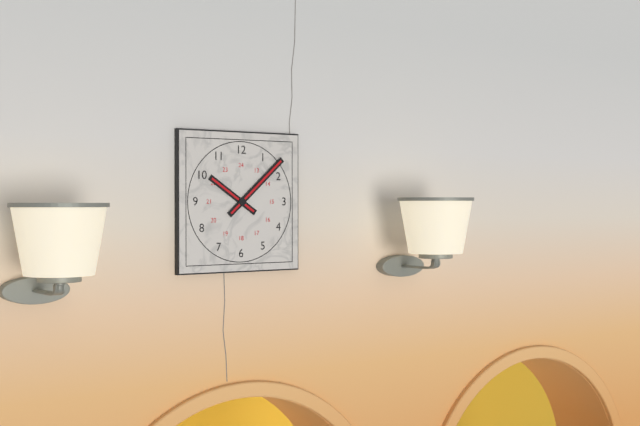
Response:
10.08
